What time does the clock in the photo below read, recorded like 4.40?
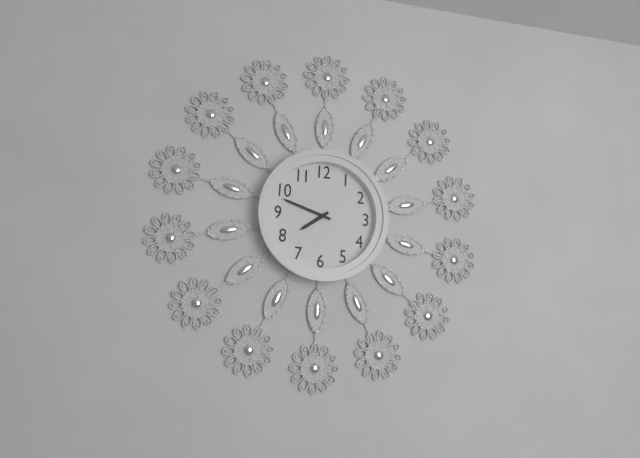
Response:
7.48
